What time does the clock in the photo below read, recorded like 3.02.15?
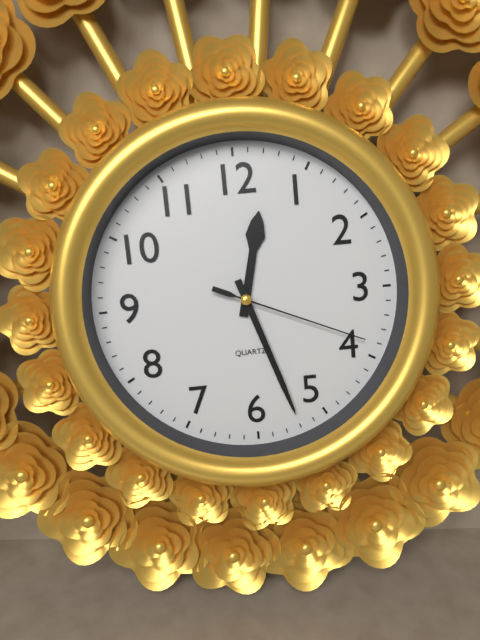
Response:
12.27.19
